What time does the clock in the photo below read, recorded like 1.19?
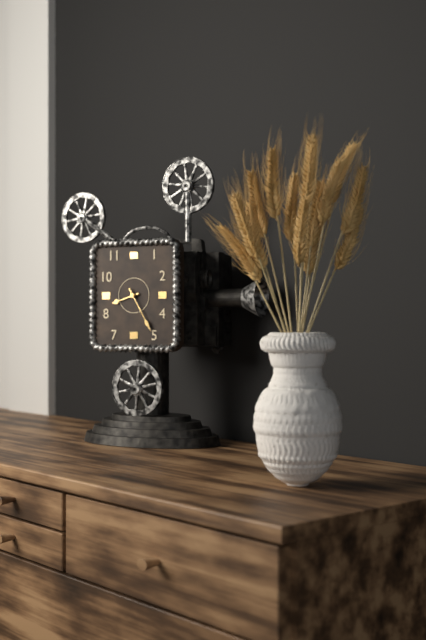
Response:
8.25
